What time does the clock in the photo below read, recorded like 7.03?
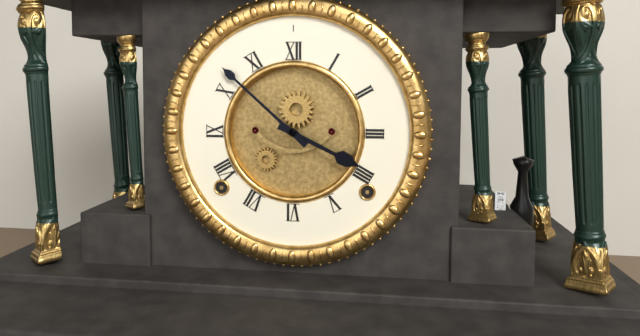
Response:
3.52
